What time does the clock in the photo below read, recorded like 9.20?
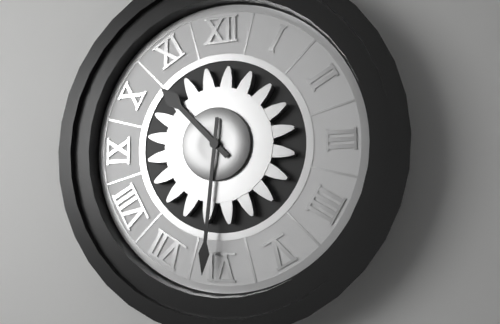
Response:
10.31
